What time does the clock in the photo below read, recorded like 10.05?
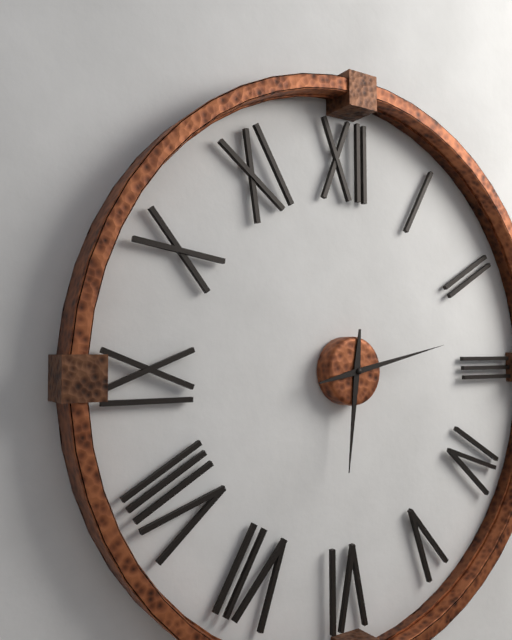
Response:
6.13
